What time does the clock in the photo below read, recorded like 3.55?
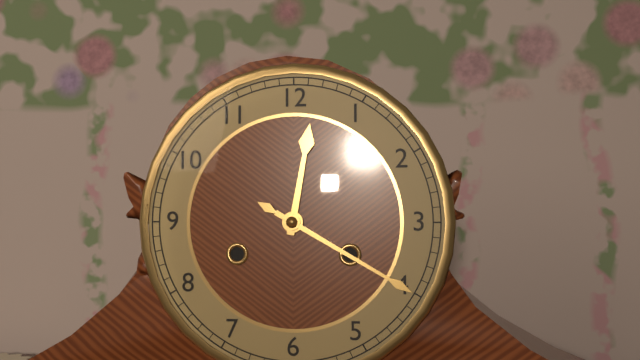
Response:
12.20
